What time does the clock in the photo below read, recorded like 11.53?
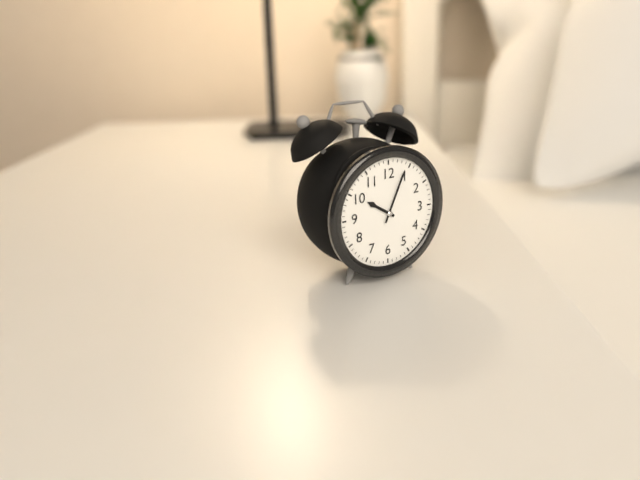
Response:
10.04
